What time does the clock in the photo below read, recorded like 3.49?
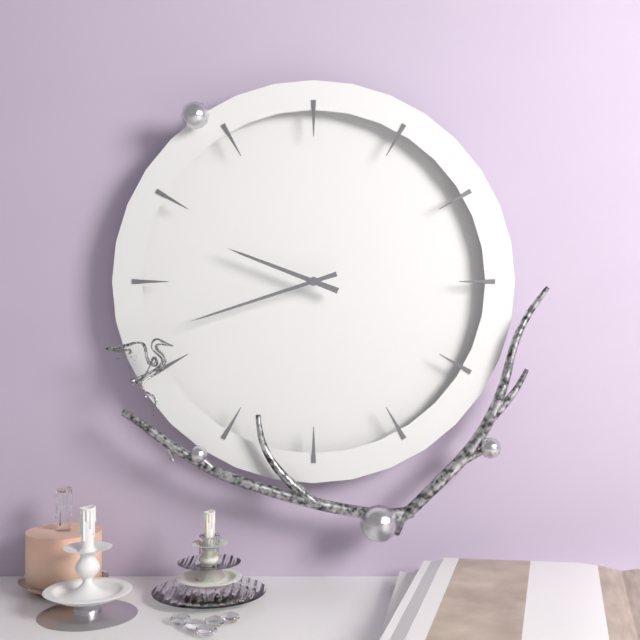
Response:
9.42
